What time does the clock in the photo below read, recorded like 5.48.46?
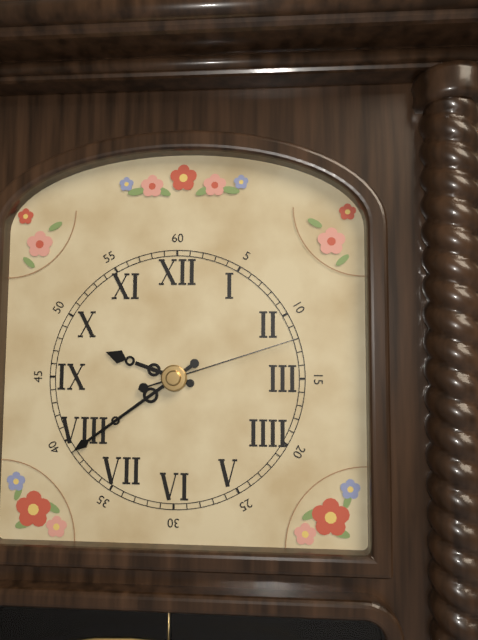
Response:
9.39.12
